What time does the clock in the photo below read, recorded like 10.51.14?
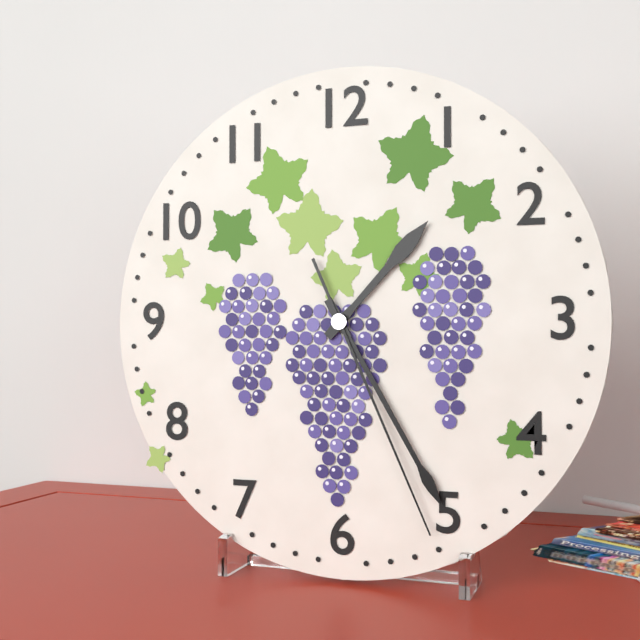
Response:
1.25.26
